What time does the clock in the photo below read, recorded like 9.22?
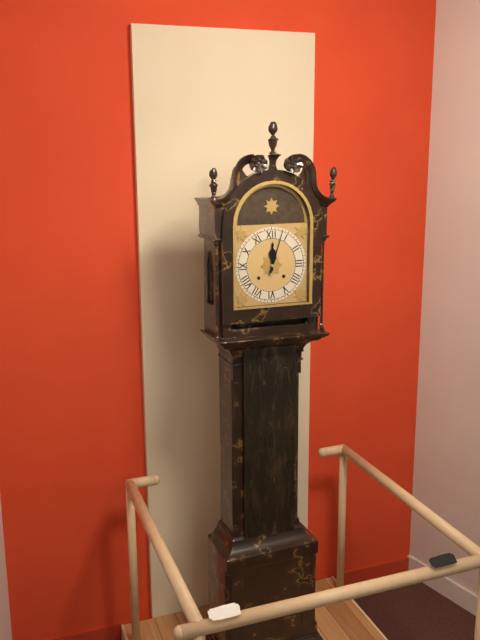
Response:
12.03
